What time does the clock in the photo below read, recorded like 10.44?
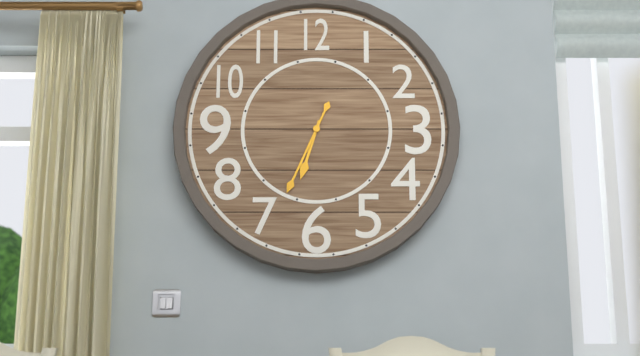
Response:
6.34
